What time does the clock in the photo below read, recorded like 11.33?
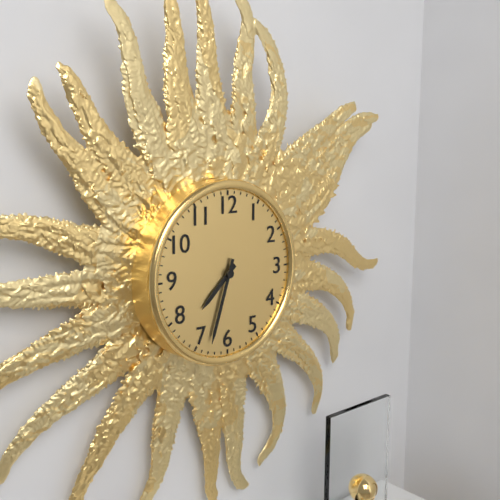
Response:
7.33
